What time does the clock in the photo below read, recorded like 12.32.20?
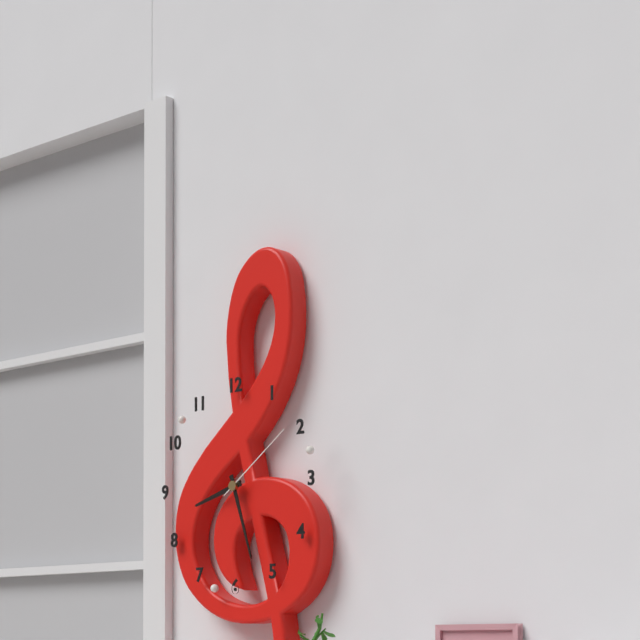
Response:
8.27.09
